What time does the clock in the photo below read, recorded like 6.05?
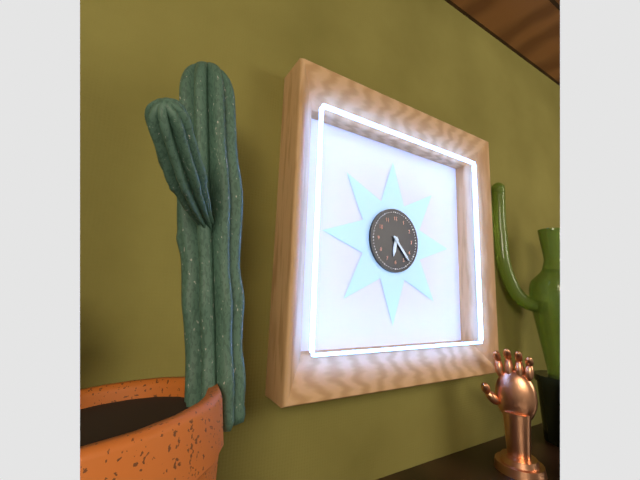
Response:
6.23
